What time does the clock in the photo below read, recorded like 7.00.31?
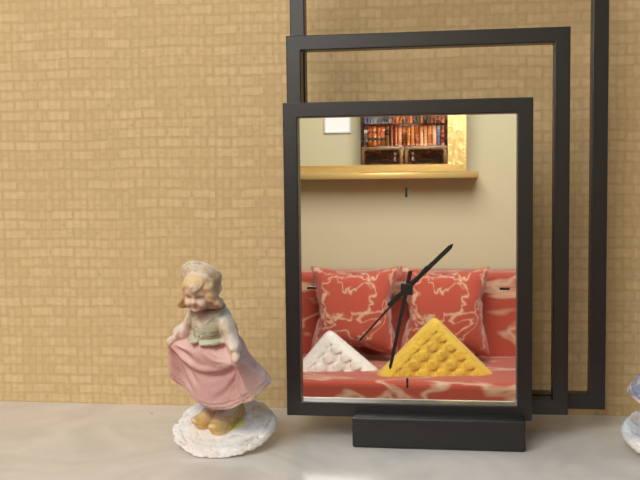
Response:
1.32.37
